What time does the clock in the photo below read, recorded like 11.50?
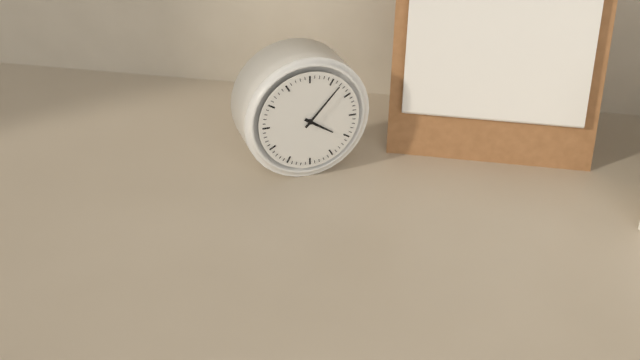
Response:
4.07
